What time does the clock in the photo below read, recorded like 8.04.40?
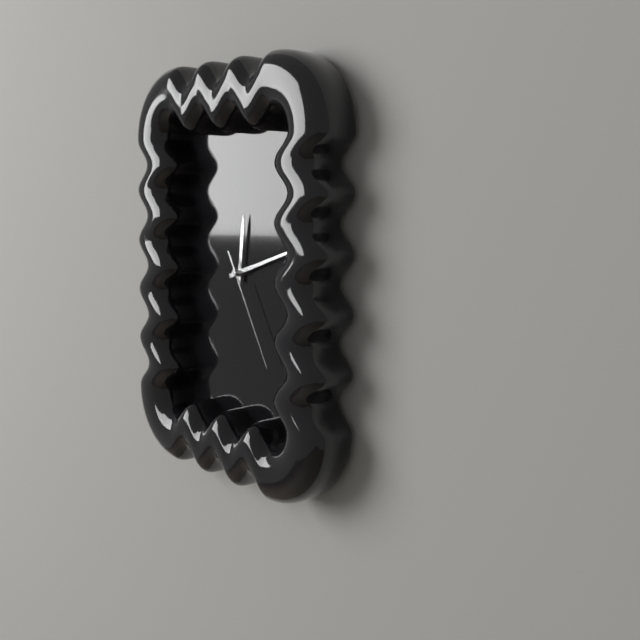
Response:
12.12.25
